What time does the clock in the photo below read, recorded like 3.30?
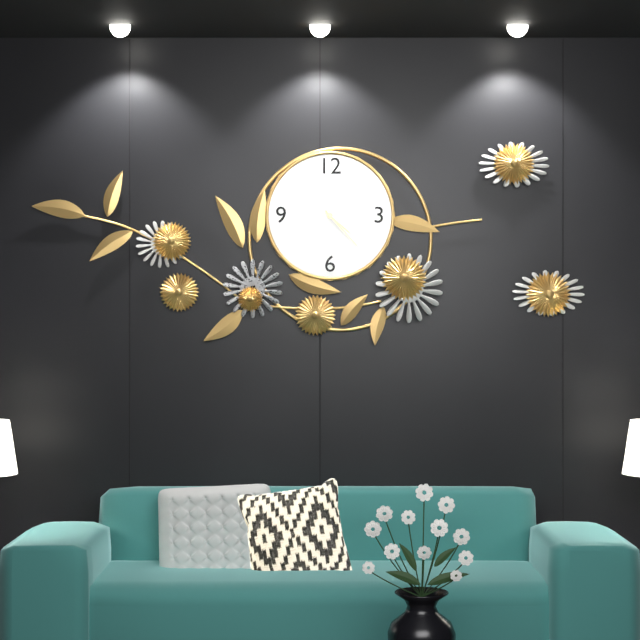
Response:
4.23
